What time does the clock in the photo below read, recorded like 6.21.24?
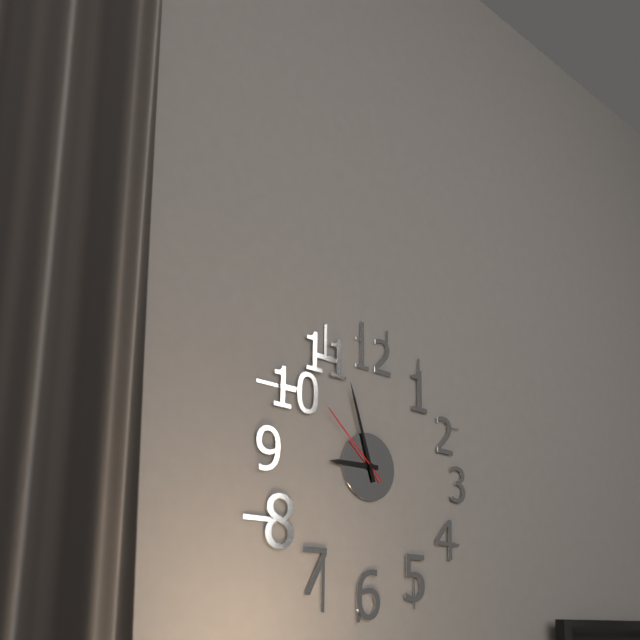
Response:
8.57.52
